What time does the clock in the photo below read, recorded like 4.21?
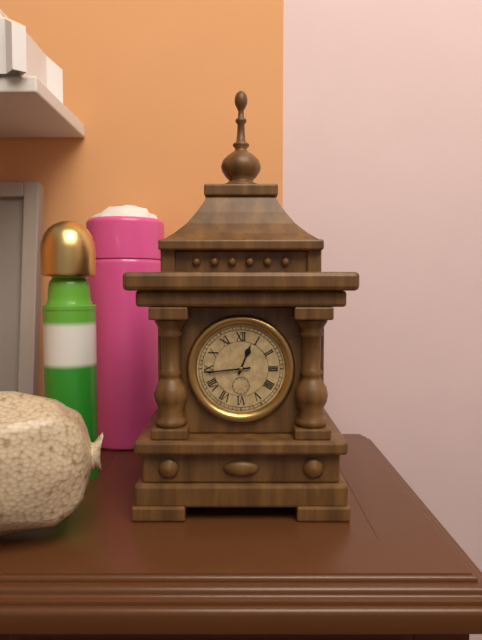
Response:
12.44
